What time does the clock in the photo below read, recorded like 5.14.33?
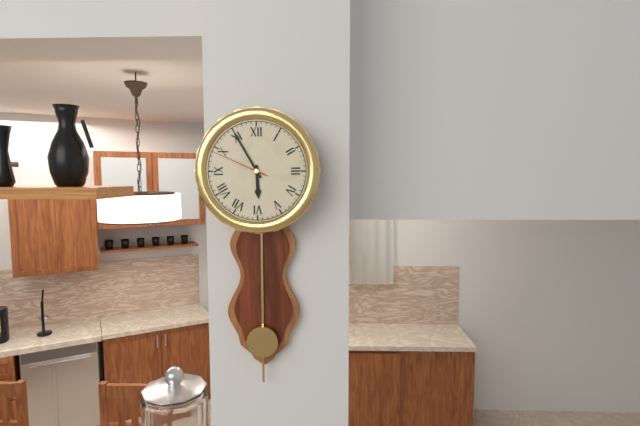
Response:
5.55.49
